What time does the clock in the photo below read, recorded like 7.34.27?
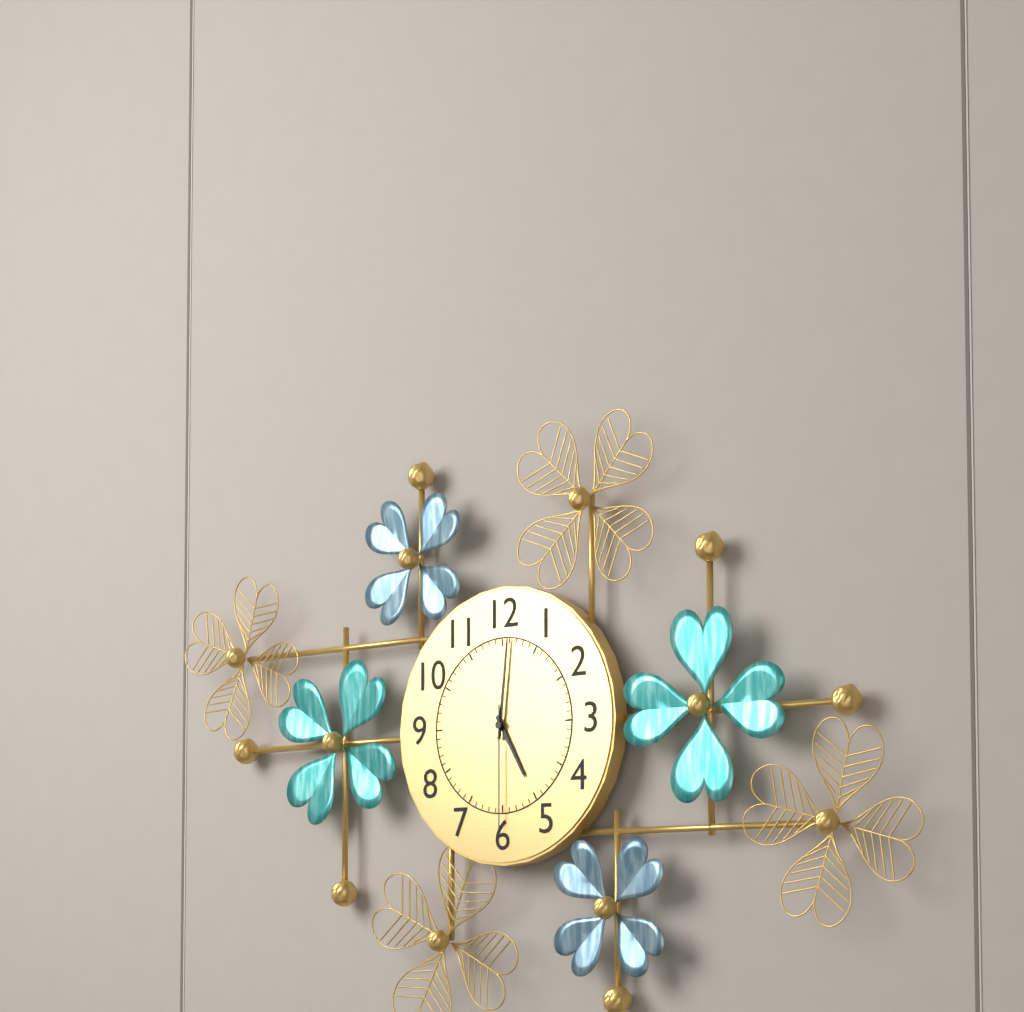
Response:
5.01.30
